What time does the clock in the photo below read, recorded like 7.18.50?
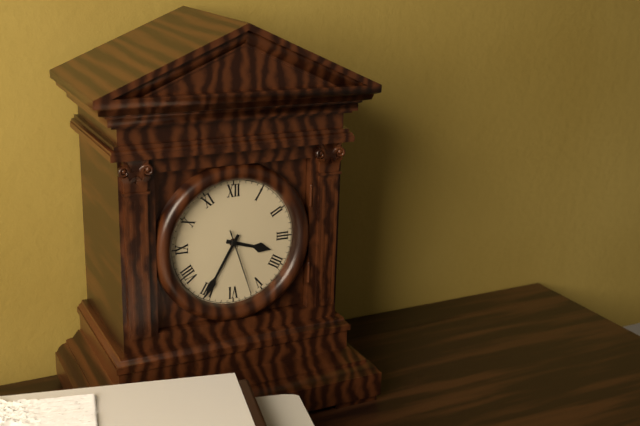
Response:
3.35.27
